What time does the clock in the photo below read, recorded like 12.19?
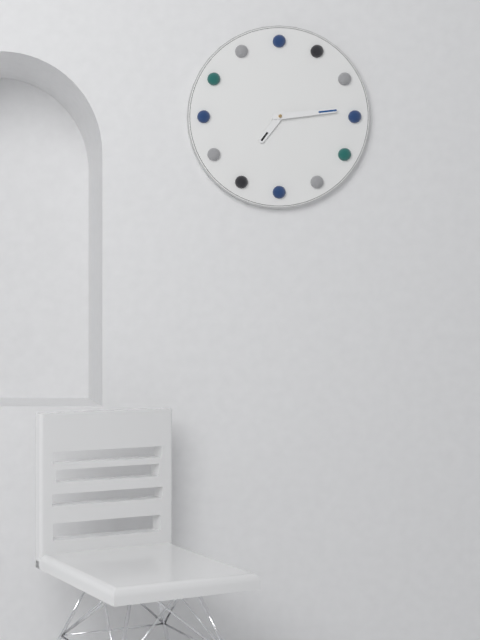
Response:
7.14
